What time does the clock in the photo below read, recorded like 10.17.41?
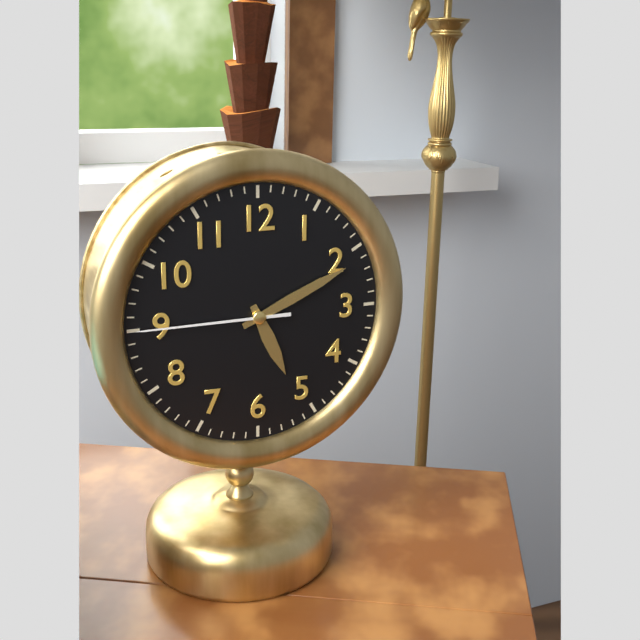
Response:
5.11.45
